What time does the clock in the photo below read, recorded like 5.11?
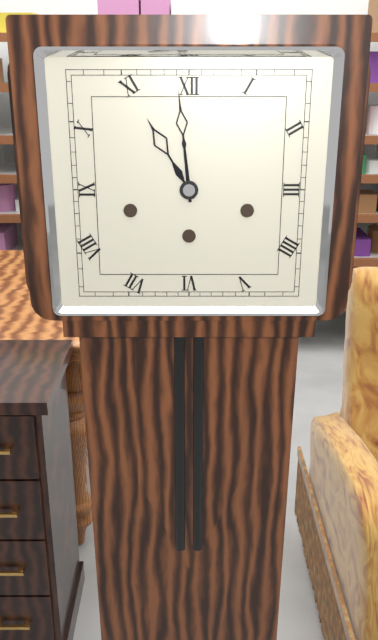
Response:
10.59
